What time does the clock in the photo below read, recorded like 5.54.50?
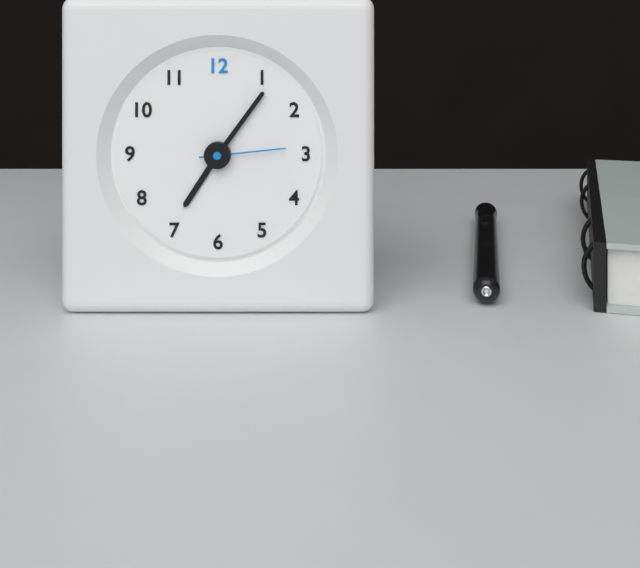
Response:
7.06.14
